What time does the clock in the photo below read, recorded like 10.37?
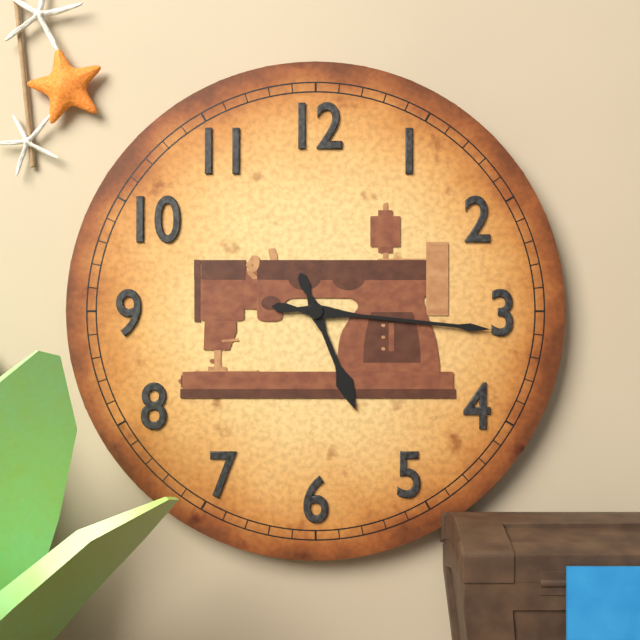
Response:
5.16
